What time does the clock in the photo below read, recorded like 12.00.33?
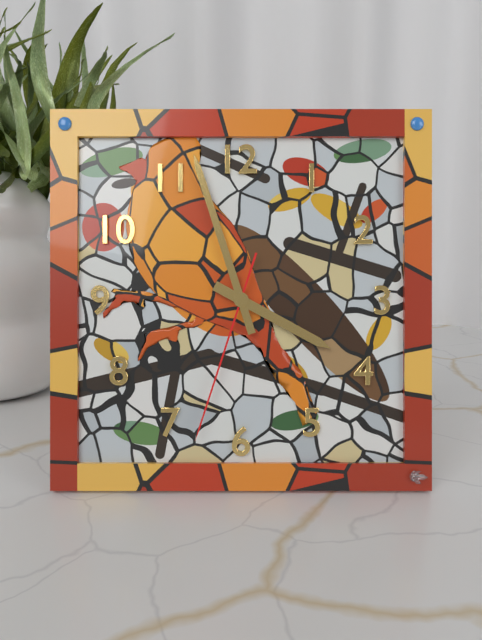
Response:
3.57.33
